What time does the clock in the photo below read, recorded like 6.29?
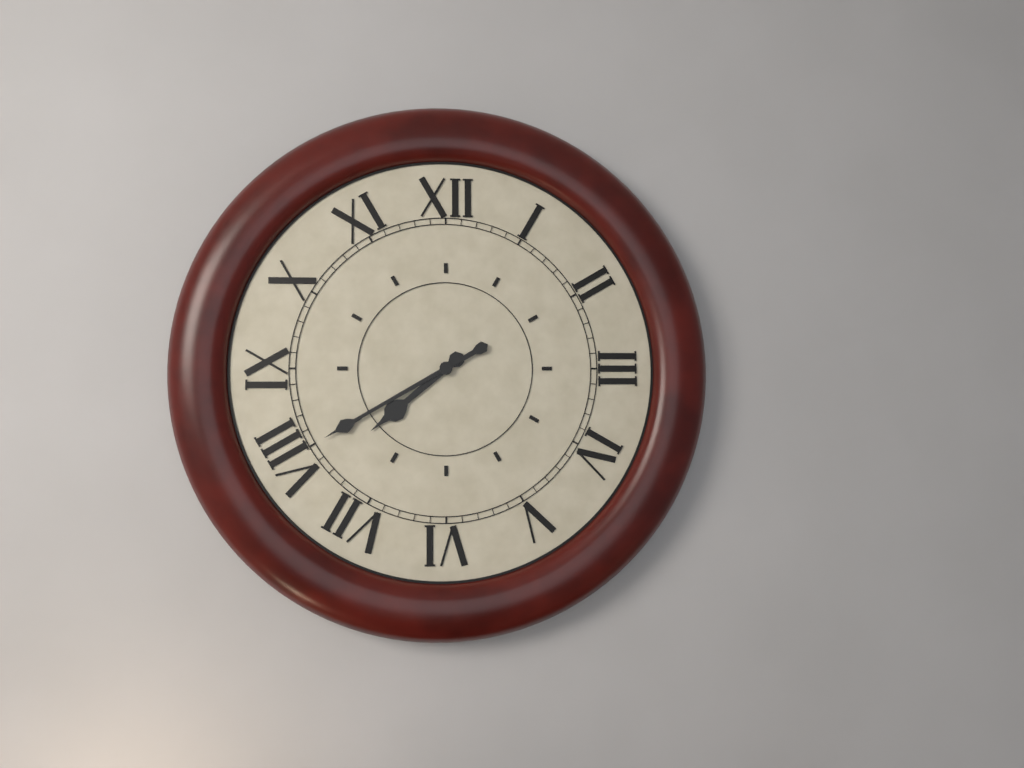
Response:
7.40
